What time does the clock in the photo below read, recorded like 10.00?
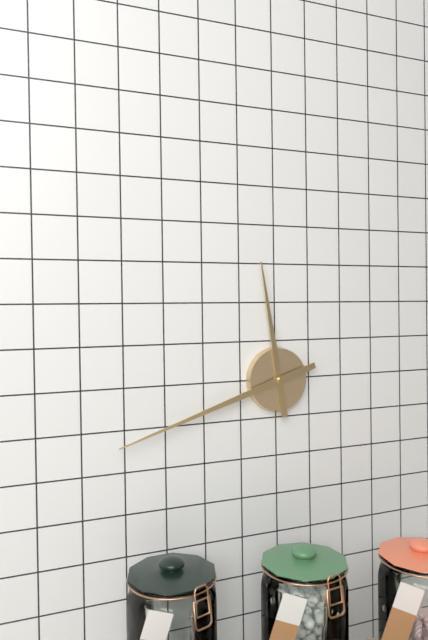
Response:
11.42
